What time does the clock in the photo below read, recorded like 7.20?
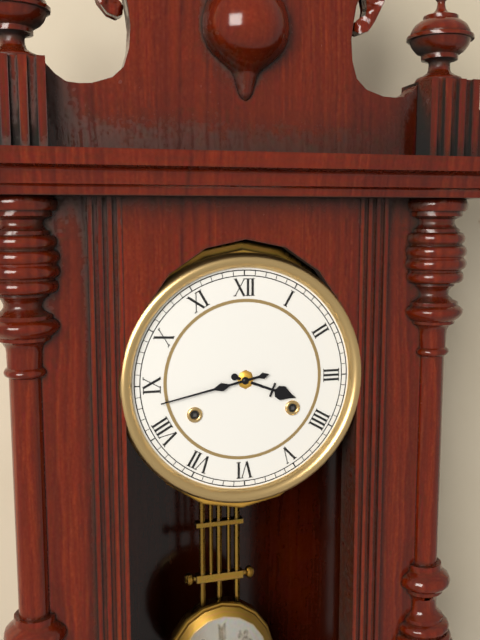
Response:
3.43
